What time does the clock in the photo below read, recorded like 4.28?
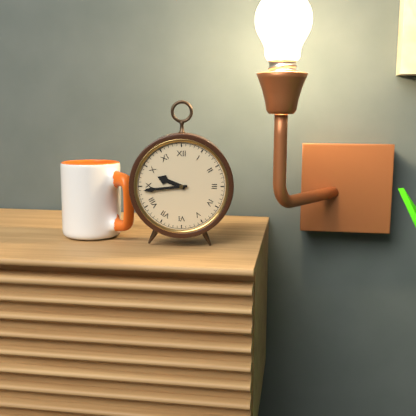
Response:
9.44
